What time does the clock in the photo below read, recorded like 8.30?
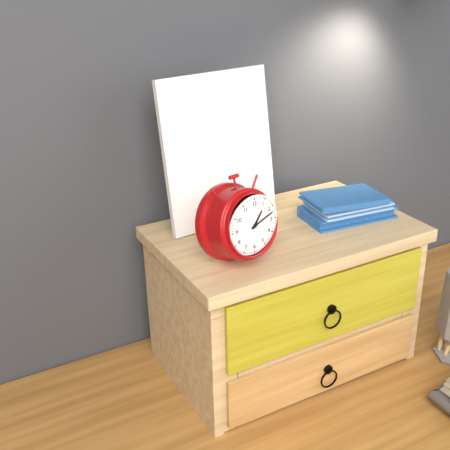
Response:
1.12
